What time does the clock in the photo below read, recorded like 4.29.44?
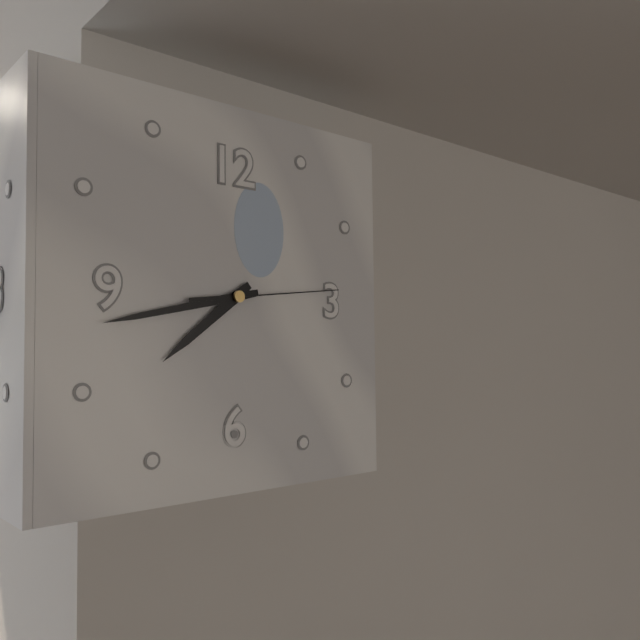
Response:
7.43.14
